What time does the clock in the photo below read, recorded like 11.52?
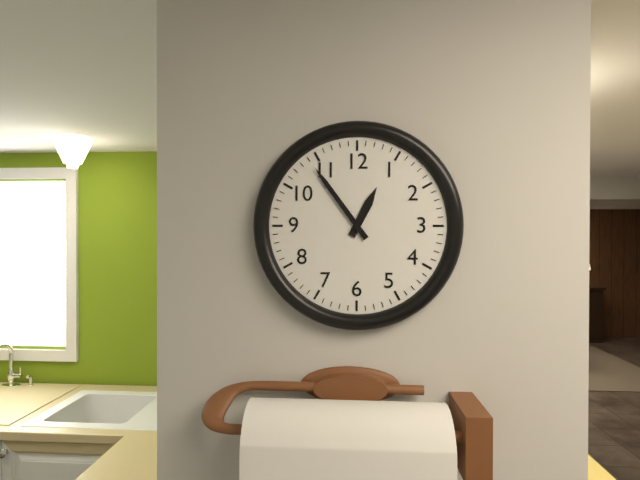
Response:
12.54
